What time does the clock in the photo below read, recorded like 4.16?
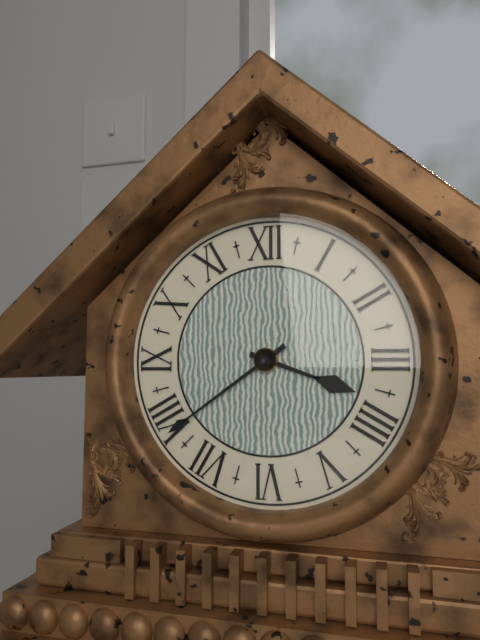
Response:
3.39
